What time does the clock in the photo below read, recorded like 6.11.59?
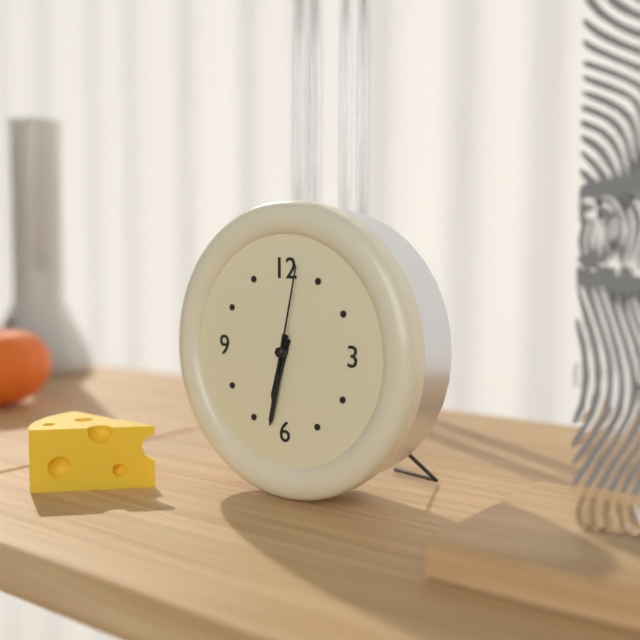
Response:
6.32.02
